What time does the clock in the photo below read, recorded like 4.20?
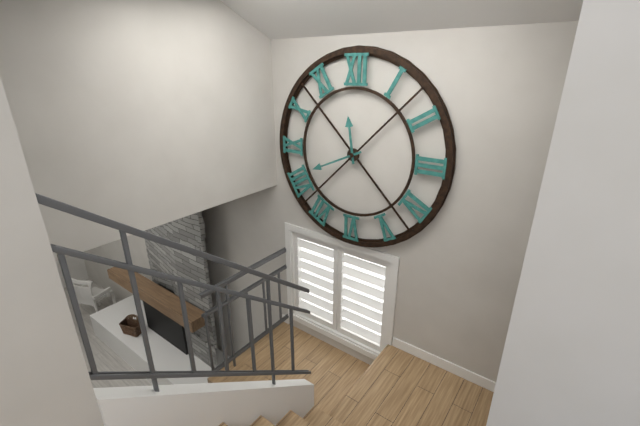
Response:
11.41
